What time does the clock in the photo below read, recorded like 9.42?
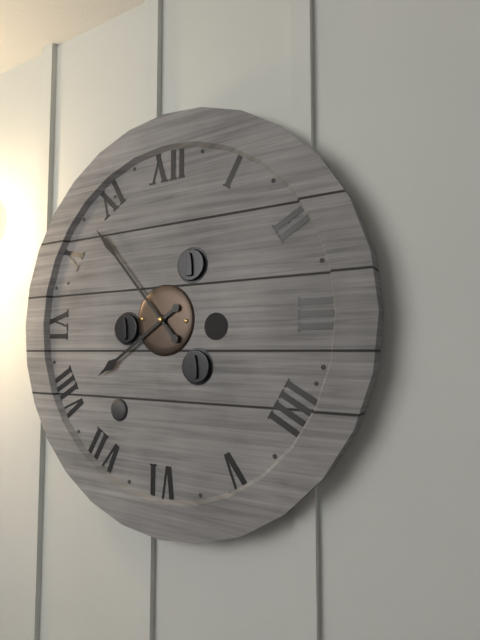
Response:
7.53
